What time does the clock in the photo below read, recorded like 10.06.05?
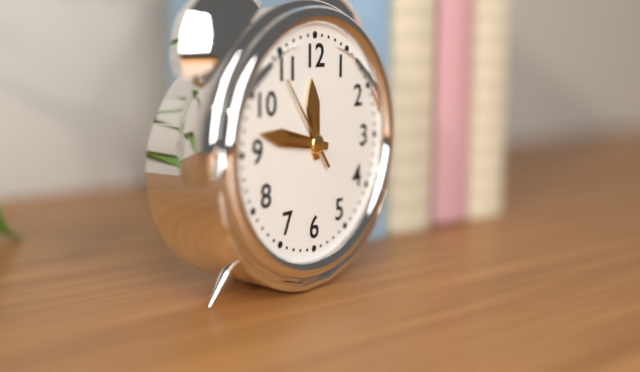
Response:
11.47.54
